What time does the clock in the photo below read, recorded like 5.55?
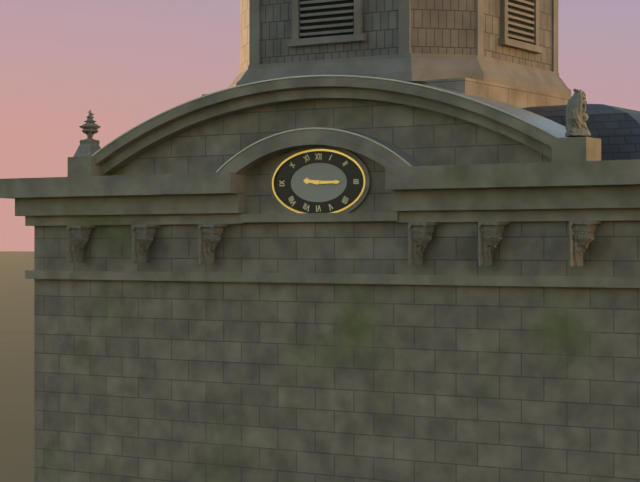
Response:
9.15
